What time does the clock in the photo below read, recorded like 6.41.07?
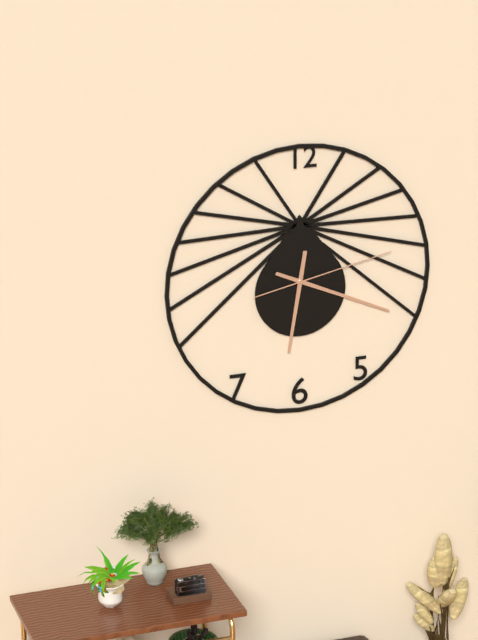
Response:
6.19.13
